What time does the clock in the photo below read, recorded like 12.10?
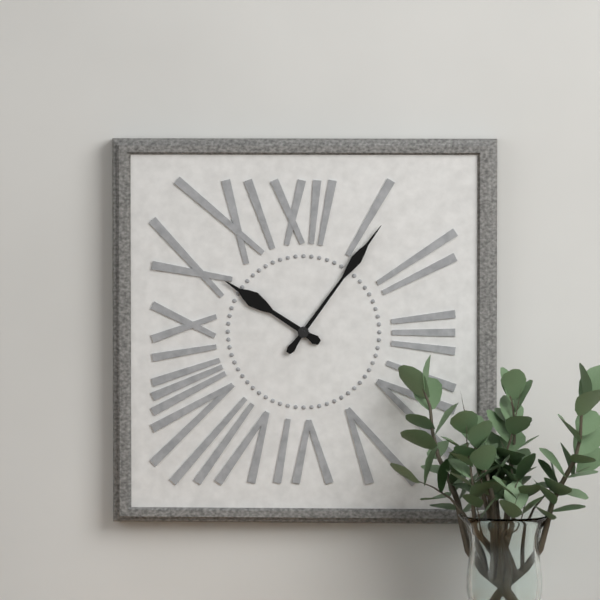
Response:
10.06
